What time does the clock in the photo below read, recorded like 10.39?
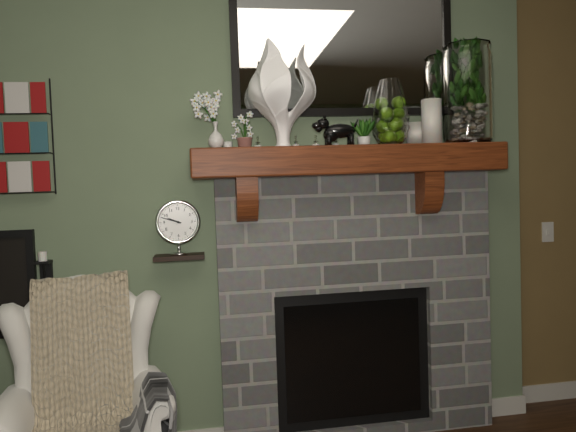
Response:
9.48
